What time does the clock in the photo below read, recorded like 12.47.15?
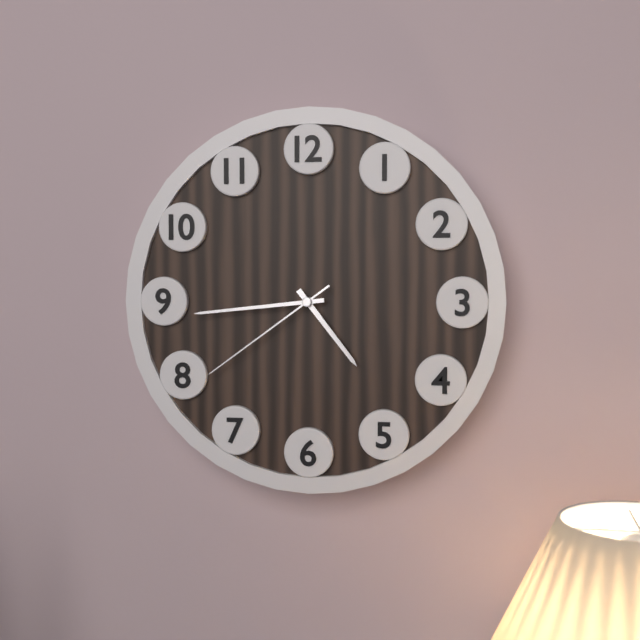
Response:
4.44.39
